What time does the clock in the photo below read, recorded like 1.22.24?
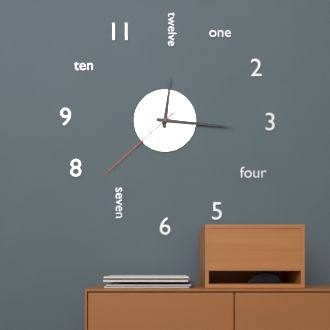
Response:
12.16.38
